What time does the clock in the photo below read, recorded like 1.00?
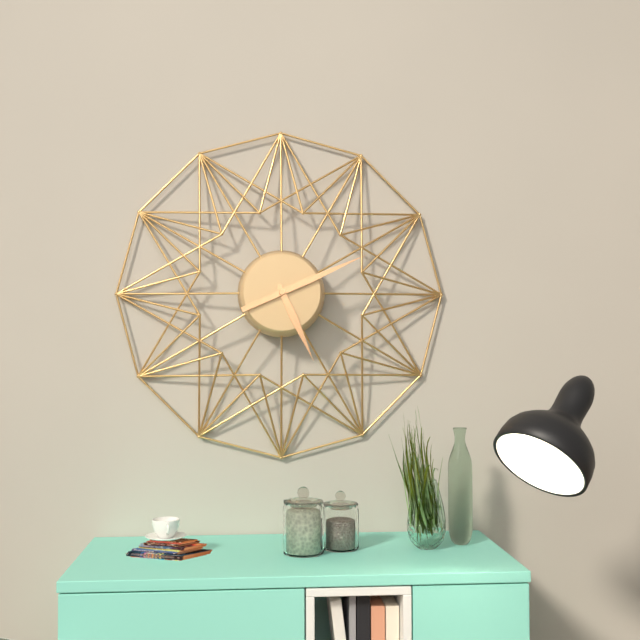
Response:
5.11
